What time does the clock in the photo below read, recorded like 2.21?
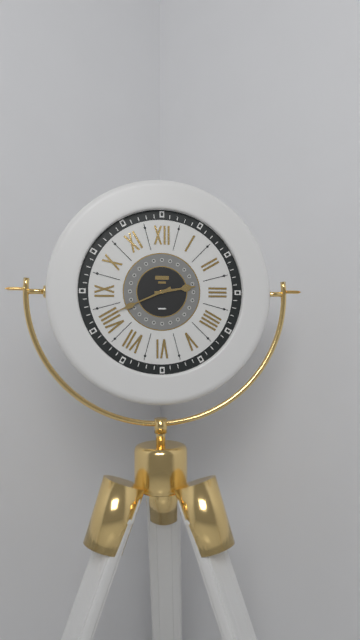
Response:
2.41
